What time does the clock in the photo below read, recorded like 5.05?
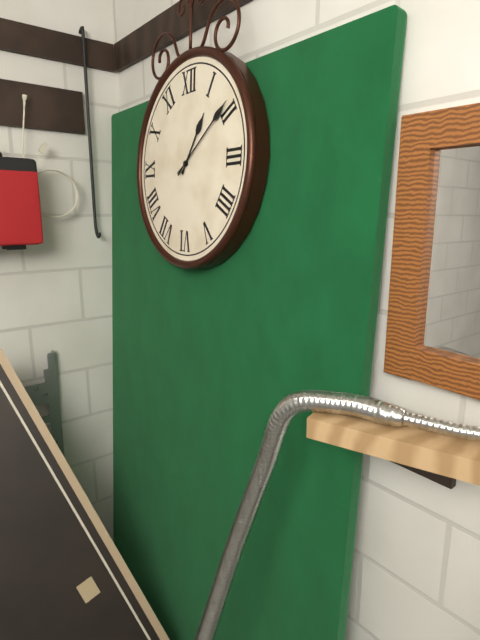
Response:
1.09
